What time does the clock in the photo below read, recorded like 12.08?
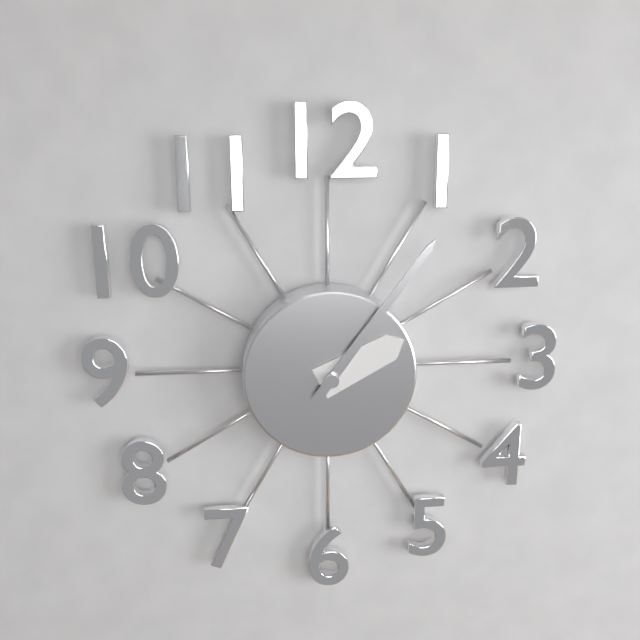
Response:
2.06
